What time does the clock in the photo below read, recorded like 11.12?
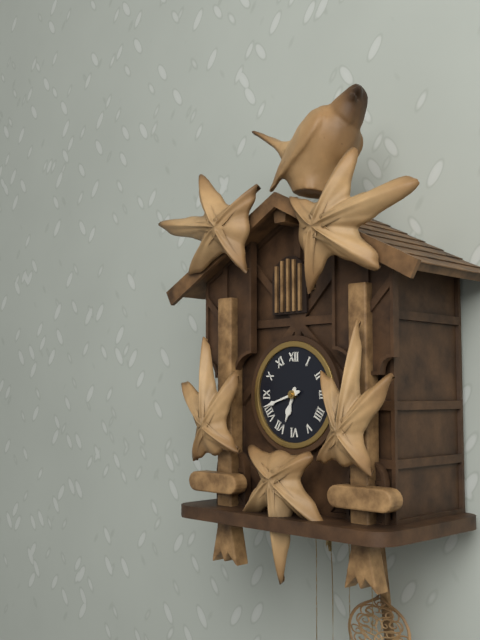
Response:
6.42
